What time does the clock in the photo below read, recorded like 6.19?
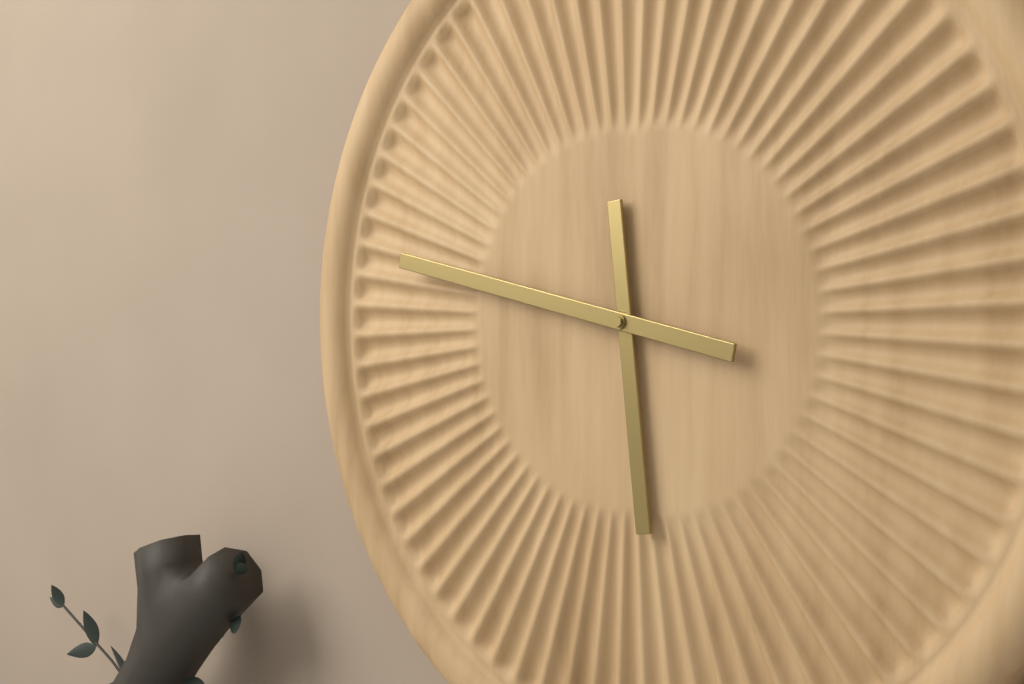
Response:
5.47
